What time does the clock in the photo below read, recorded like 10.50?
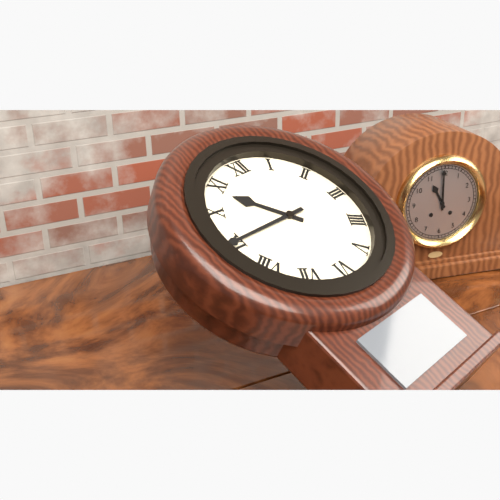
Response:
10.45
